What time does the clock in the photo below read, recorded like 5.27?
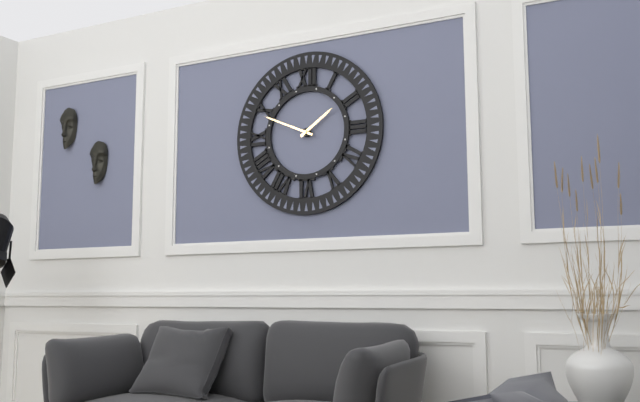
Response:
1.49
